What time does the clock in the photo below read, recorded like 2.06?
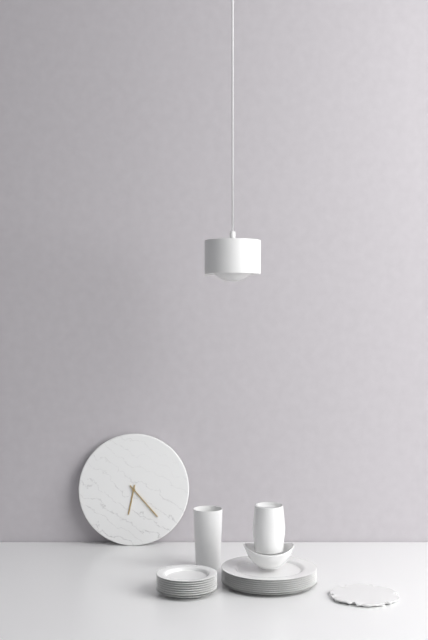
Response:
6.23
